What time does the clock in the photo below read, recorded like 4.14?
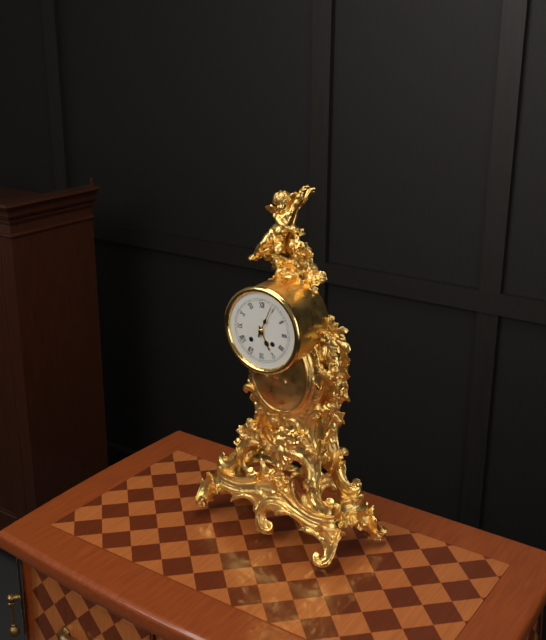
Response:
5.04
